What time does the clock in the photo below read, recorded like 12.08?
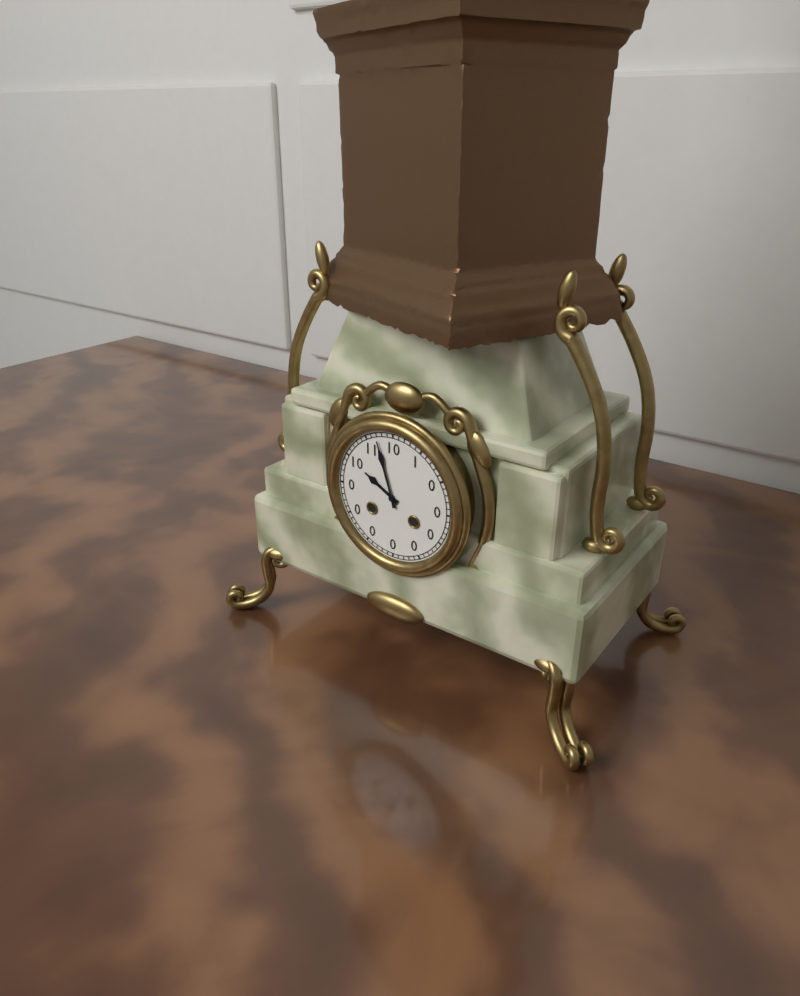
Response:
9.57
